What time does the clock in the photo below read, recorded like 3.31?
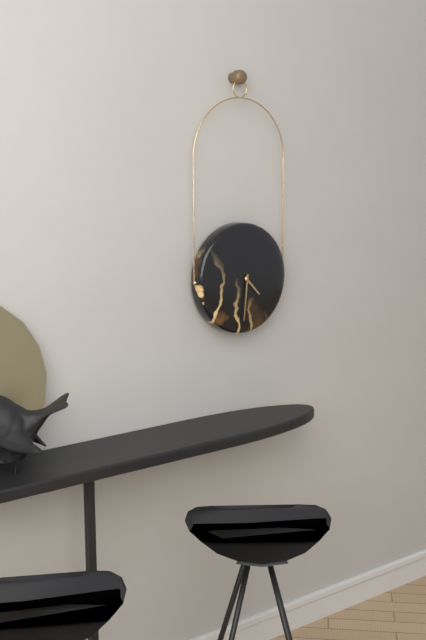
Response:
4.31
